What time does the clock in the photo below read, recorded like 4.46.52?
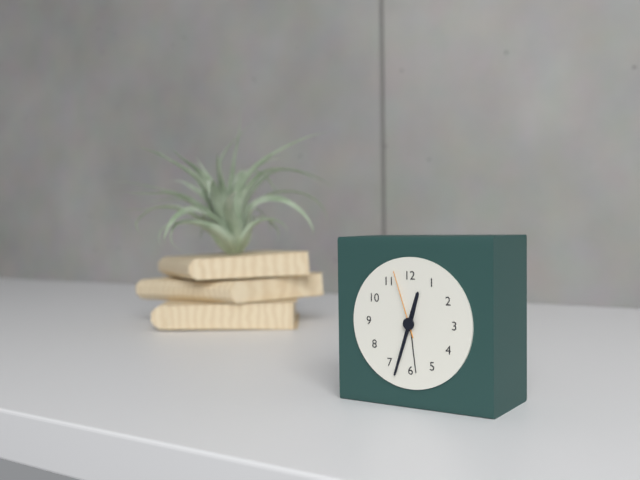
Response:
12.33.57
